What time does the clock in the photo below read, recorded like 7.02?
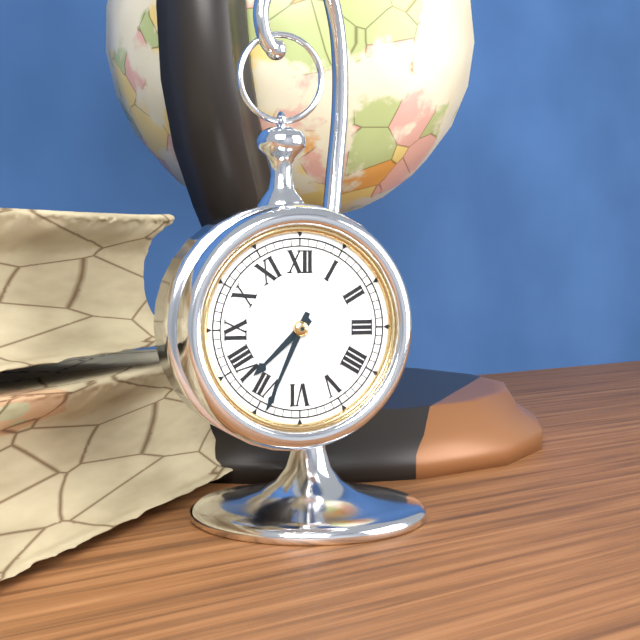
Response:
7.34
